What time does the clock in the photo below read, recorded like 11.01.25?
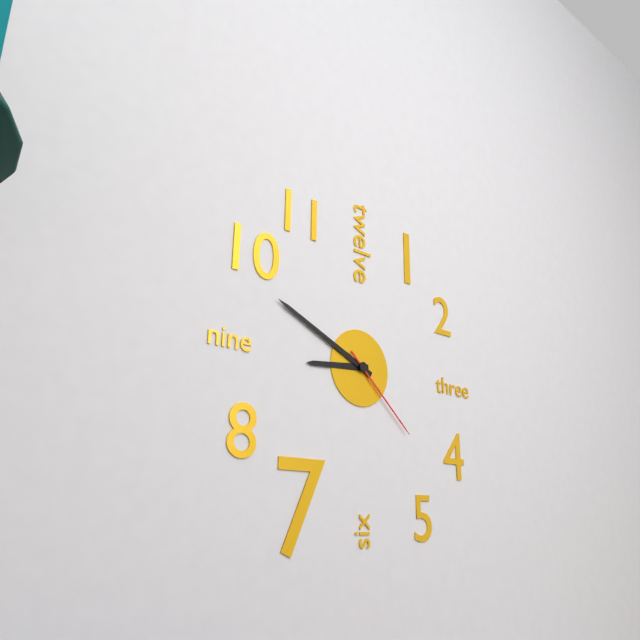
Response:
8.49.22
